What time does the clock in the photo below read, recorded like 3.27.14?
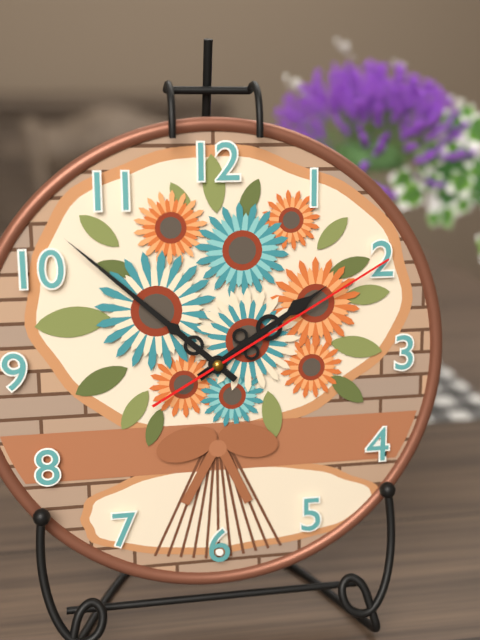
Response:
1.52.10
